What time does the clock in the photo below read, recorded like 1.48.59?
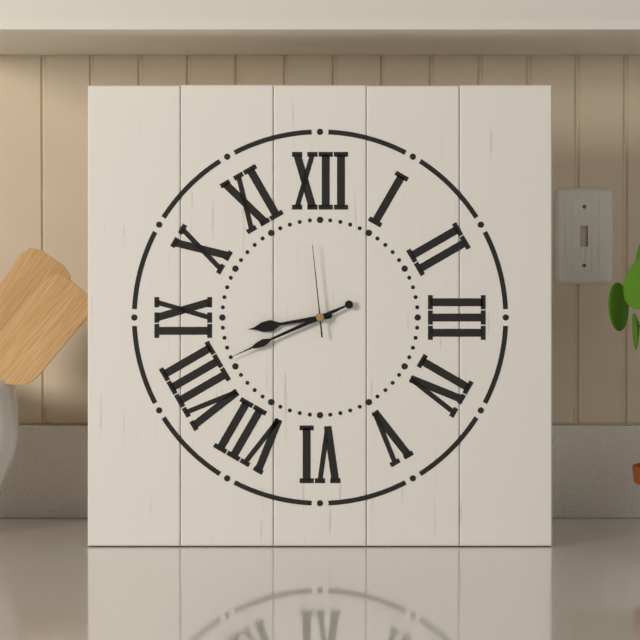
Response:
8.41.59
